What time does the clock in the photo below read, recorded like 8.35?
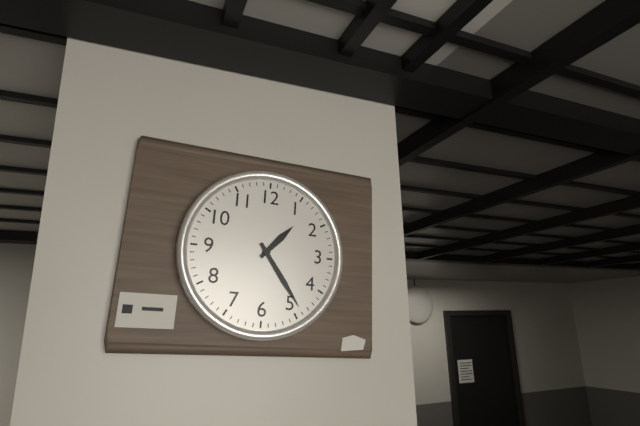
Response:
1.24
